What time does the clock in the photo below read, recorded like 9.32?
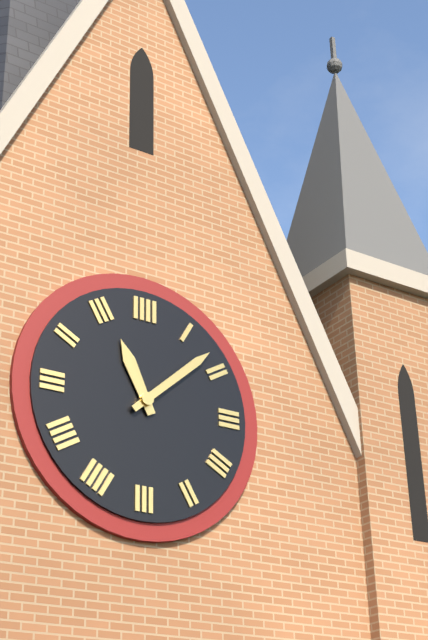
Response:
11.08
